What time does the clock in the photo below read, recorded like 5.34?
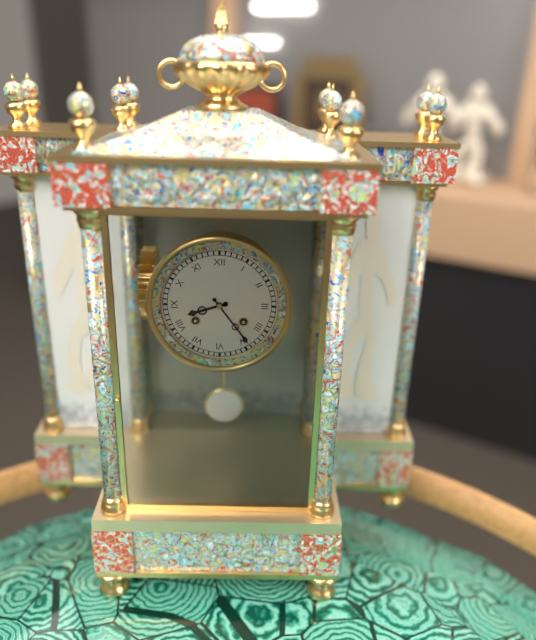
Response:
8.24
